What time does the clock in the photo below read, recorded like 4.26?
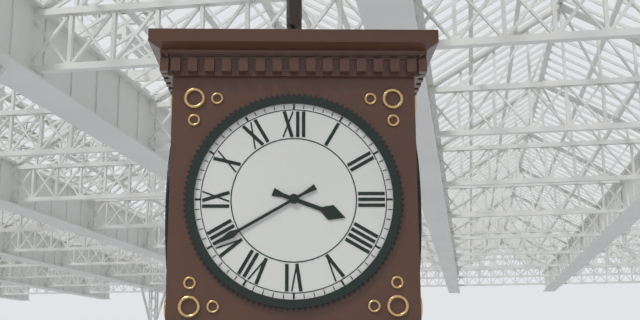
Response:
3.40
